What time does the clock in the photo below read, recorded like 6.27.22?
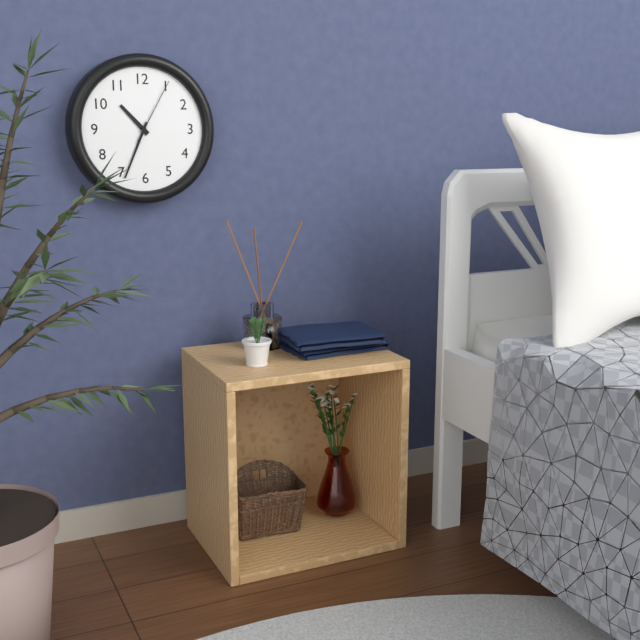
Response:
10.34.05
